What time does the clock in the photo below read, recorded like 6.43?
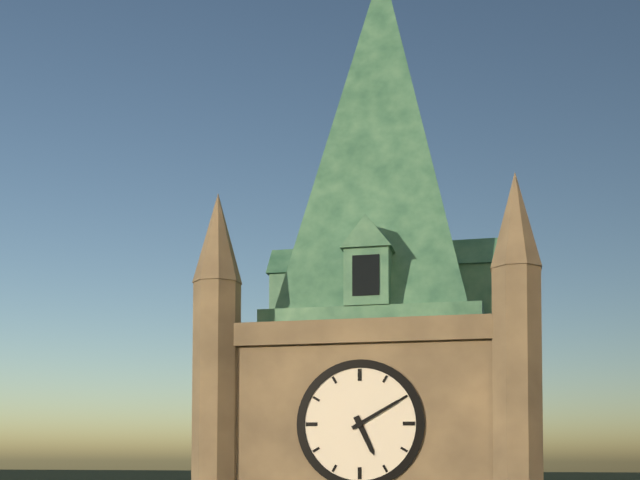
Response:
5.10
